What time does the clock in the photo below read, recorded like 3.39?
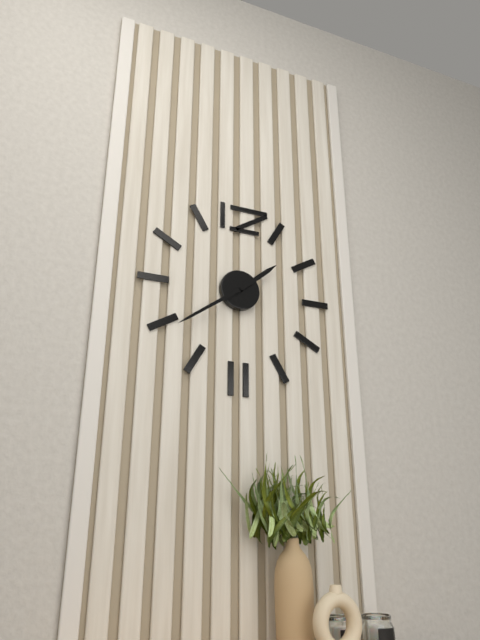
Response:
1.39
